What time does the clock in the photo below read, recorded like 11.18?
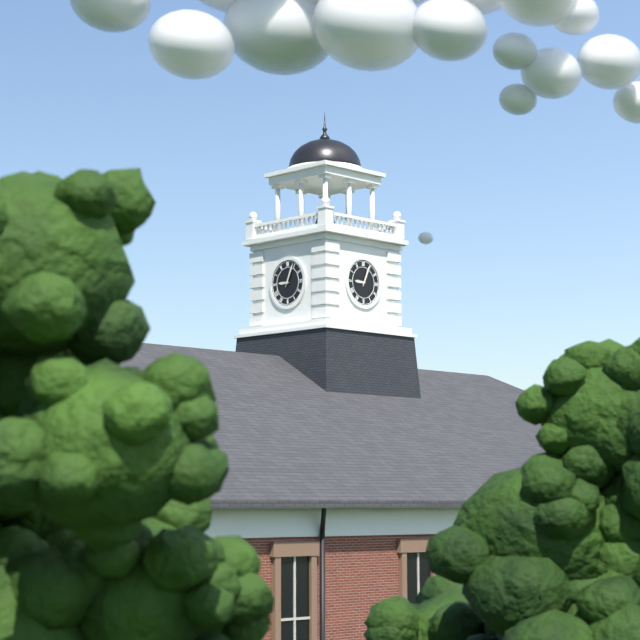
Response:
9.04
